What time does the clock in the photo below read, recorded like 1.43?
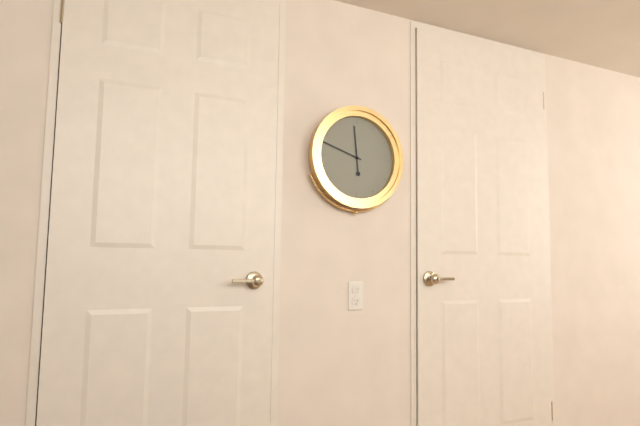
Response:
11.48
